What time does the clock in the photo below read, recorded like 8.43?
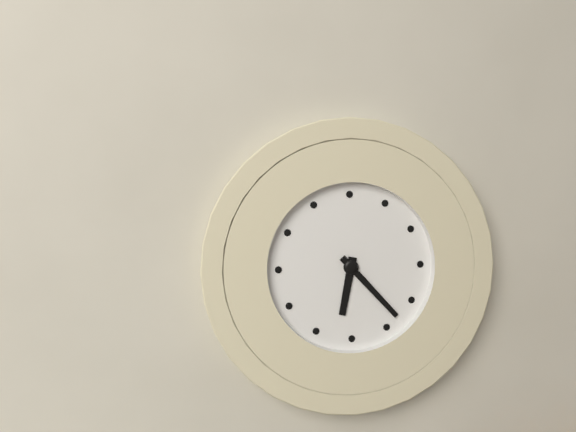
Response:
6.23
